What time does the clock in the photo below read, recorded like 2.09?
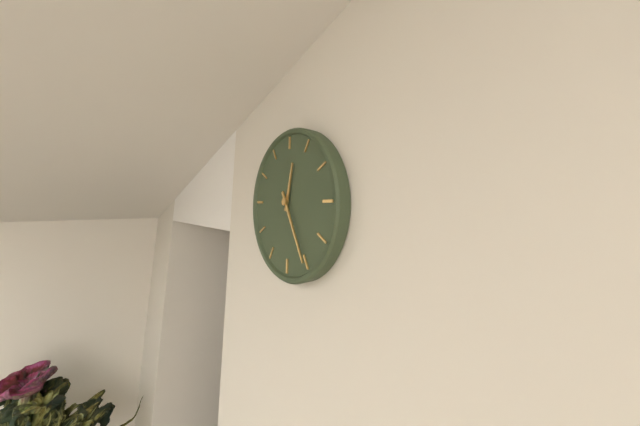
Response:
12.25
